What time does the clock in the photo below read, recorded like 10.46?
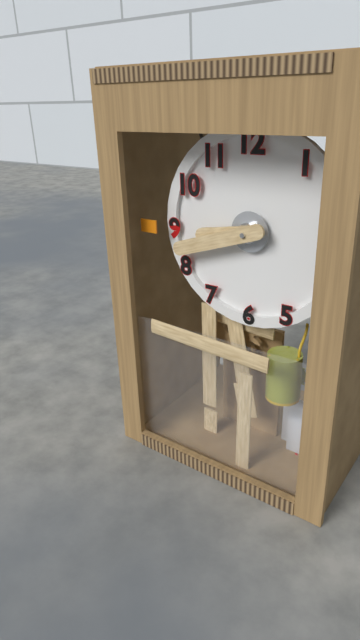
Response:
8.42
